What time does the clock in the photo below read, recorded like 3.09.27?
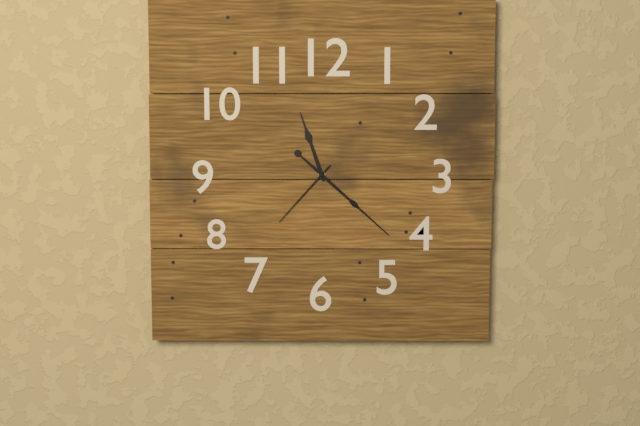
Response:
11.22.37
